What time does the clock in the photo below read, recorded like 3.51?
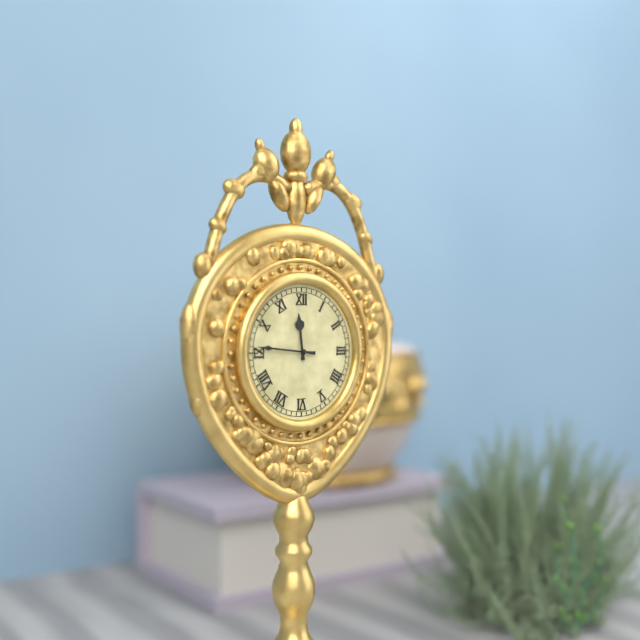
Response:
11.46
